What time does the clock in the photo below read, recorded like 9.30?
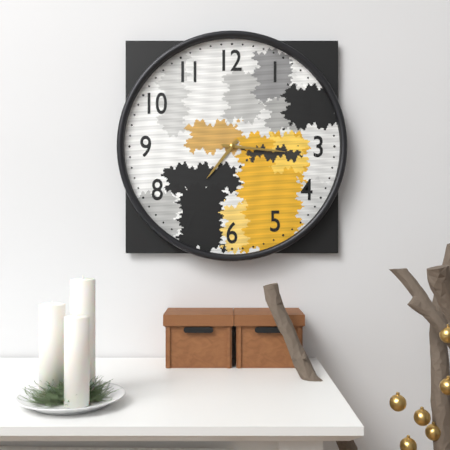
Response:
7.16
